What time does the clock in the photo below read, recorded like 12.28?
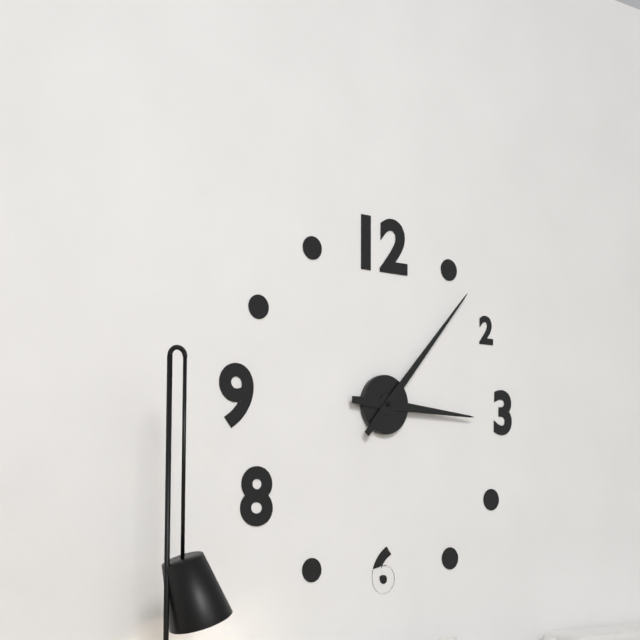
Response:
3.07
